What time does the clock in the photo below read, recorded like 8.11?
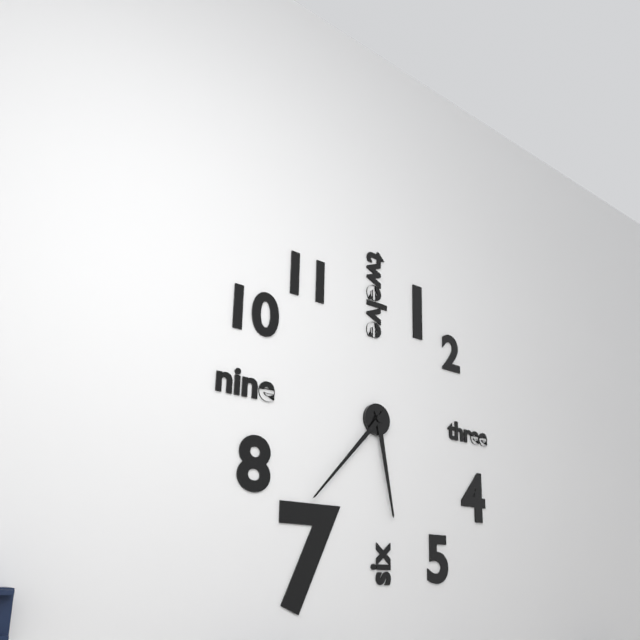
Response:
5.37
